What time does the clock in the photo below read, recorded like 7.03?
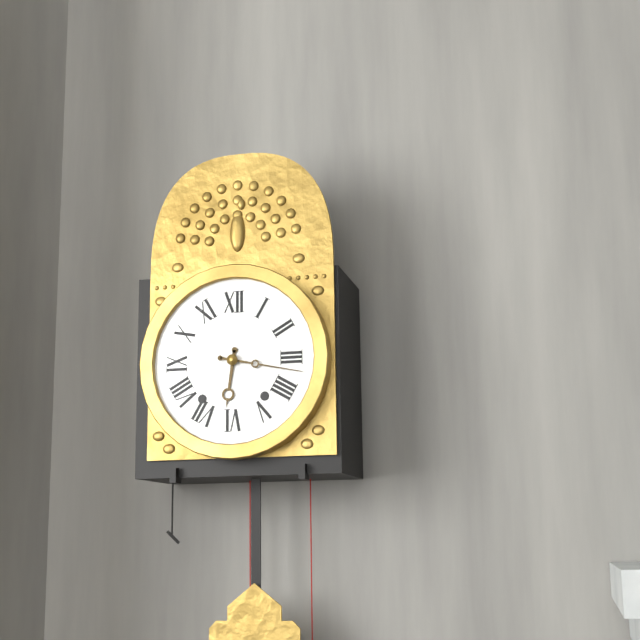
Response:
6.17
